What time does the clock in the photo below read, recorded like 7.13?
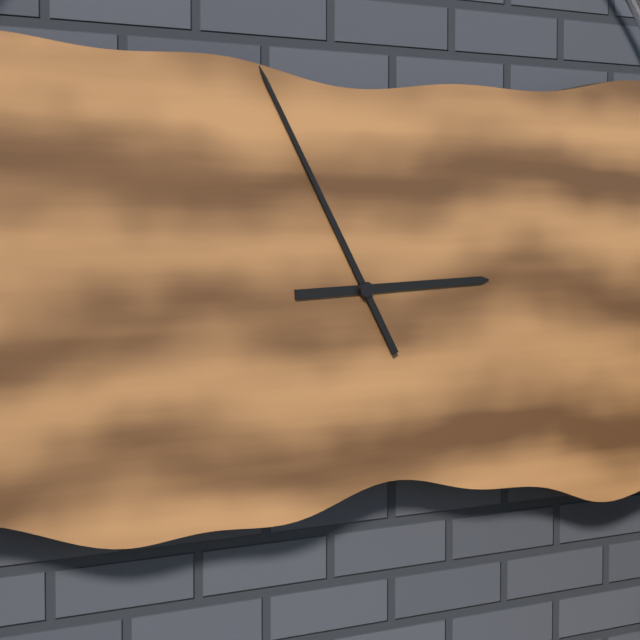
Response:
2.55
